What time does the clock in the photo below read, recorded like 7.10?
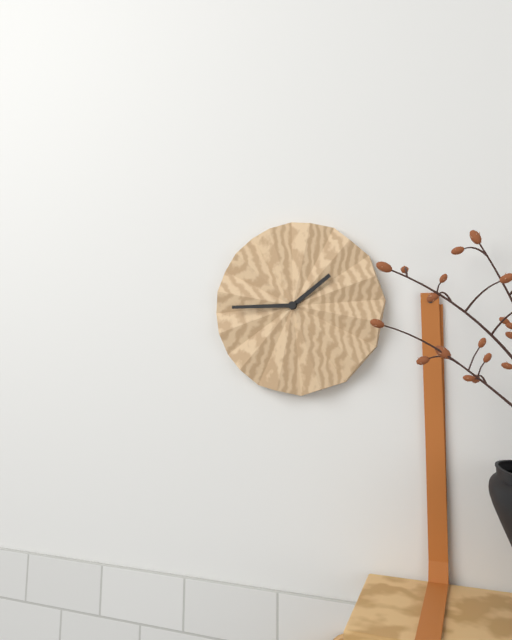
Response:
1.45
